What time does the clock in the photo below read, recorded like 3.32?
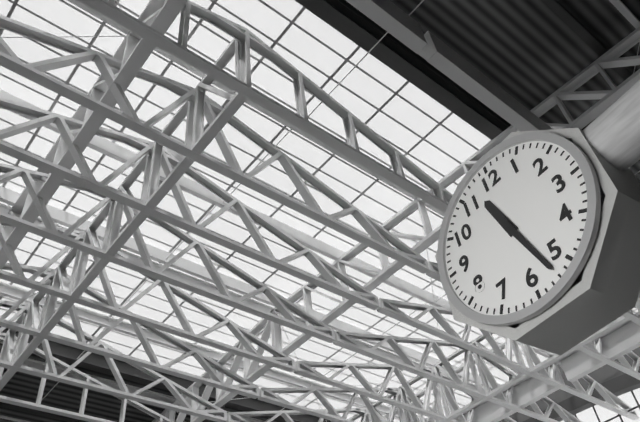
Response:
11.27
